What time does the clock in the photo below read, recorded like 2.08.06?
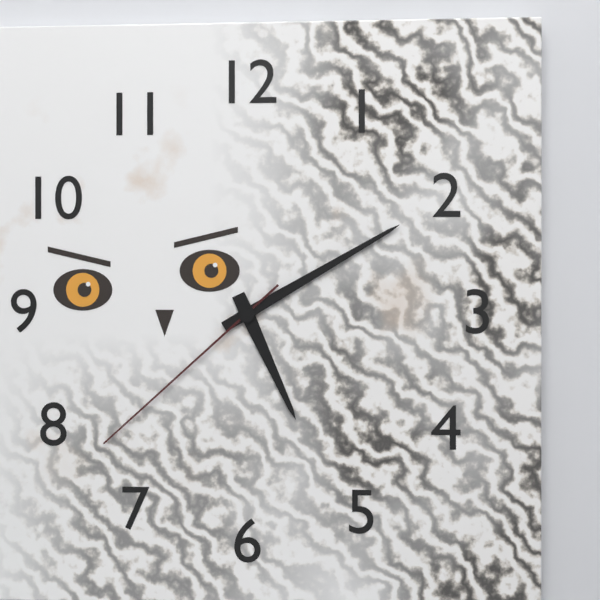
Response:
5.10.38
